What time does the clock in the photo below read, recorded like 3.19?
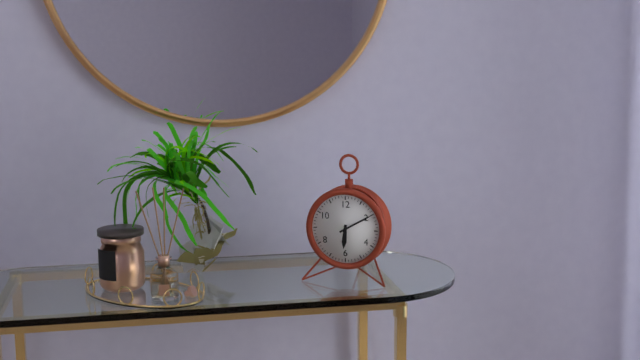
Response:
6.10
